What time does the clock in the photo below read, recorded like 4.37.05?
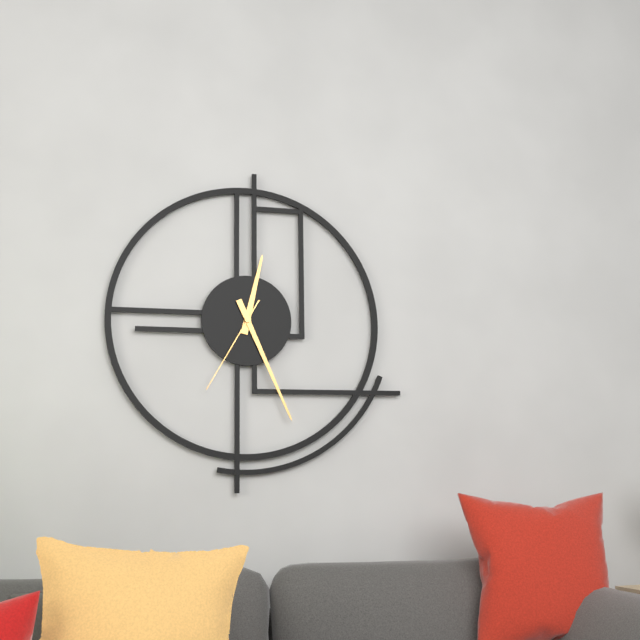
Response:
12.26.35
